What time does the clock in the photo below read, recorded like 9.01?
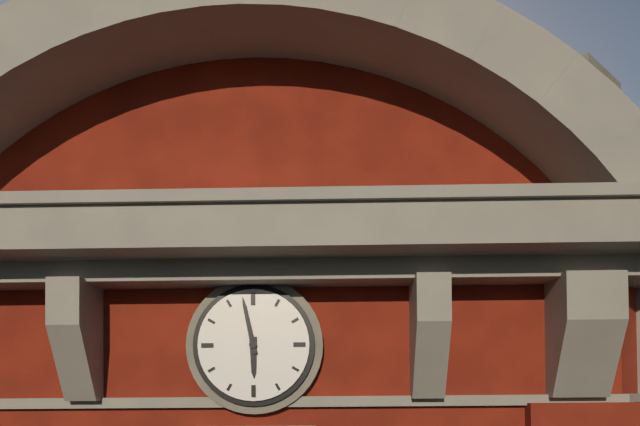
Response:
5.58
